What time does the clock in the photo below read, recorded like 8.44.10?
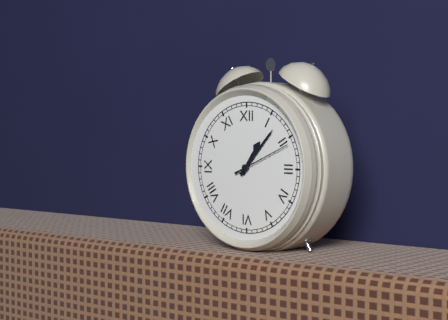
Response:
1.07.11
